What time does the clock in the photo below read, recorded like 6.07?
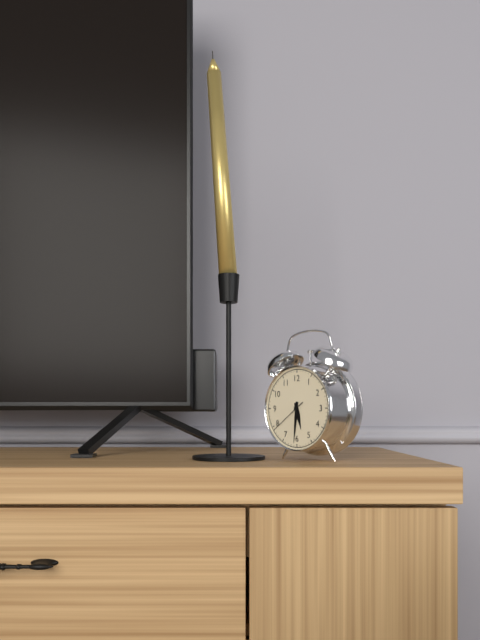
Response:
5.31
